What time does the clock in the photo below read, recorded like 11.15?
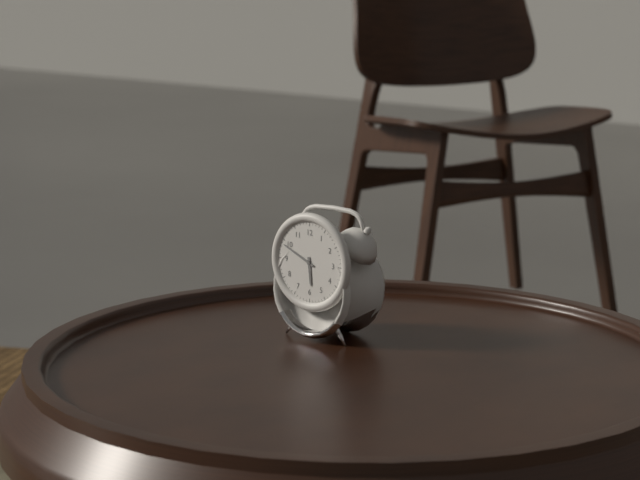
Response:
5.49
